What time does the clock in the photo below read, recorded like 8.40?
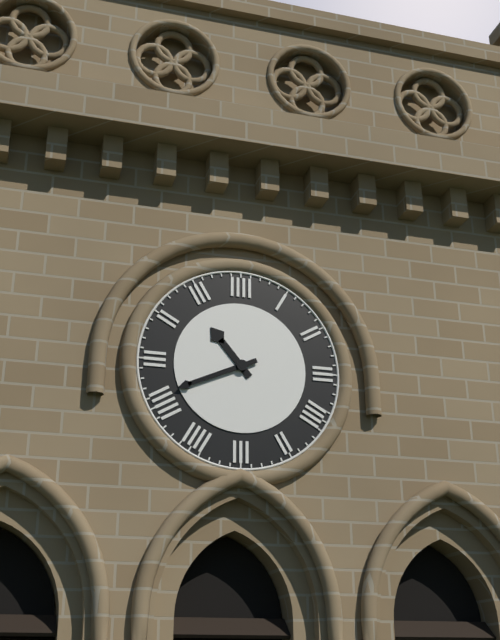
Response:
10.41
